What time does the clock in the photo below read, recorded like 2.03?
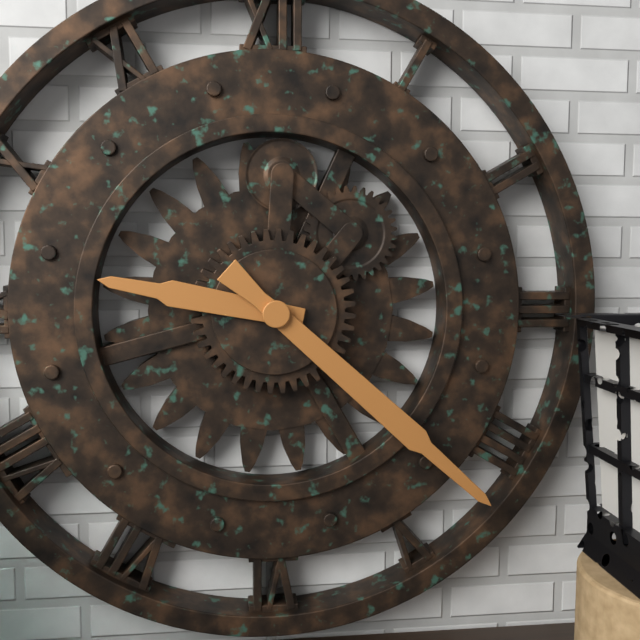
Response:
9.22
